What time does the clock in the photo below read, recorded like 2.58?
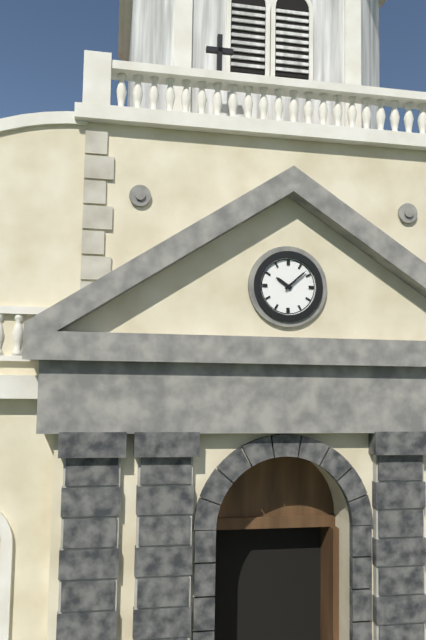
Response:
10.08
